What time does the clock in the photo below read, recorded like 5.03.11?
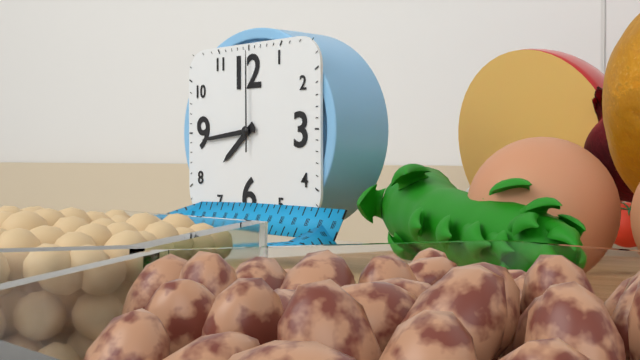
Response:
7.44.00
